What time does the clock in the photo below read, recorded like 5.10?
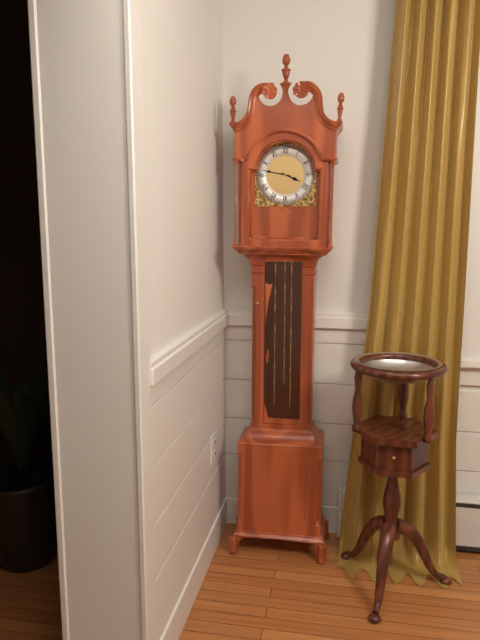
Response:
3.47
